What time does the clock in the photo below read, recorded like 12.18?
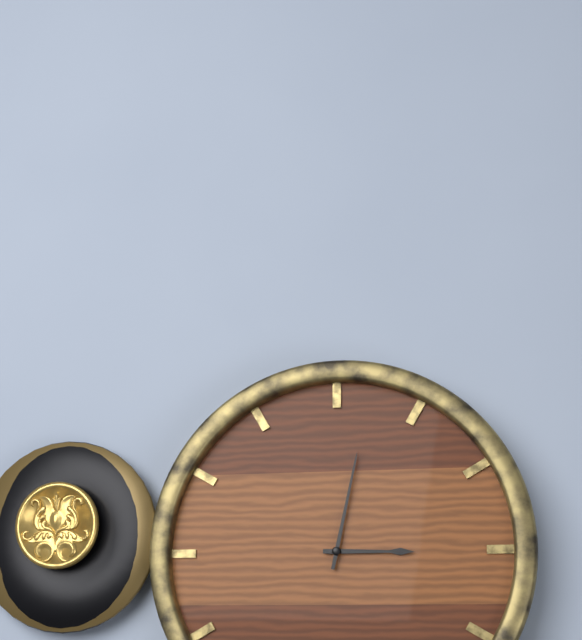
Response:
3.02
